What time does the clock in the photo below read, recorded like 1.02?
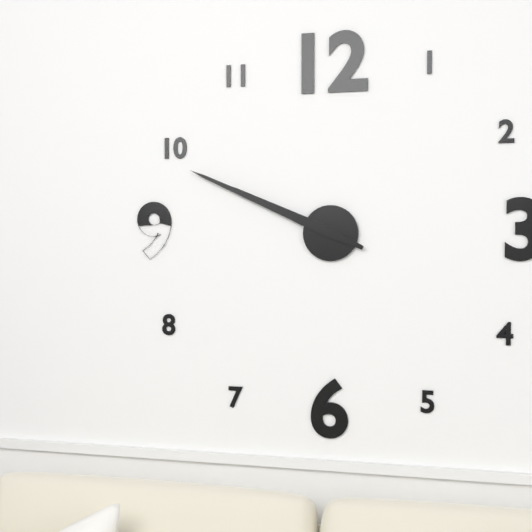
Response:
9.49
